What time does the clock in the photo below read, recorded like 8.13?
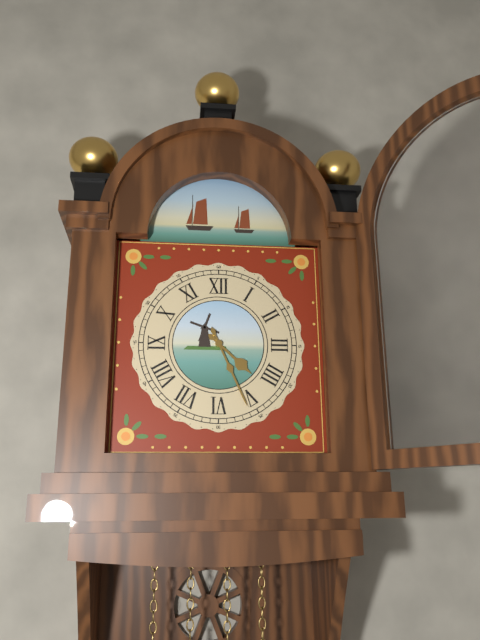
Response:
4.26
